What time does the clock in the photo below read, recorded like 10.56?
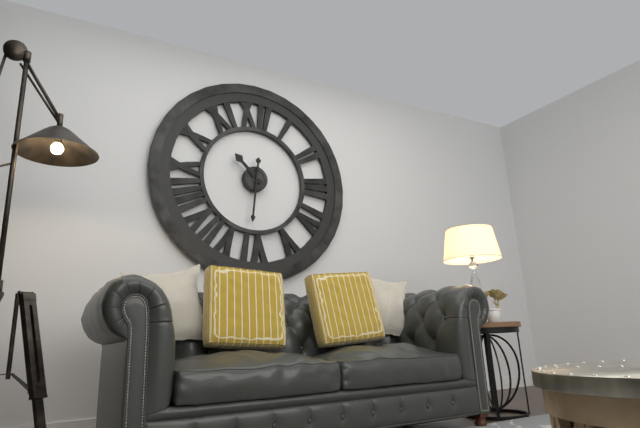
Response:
10.31
